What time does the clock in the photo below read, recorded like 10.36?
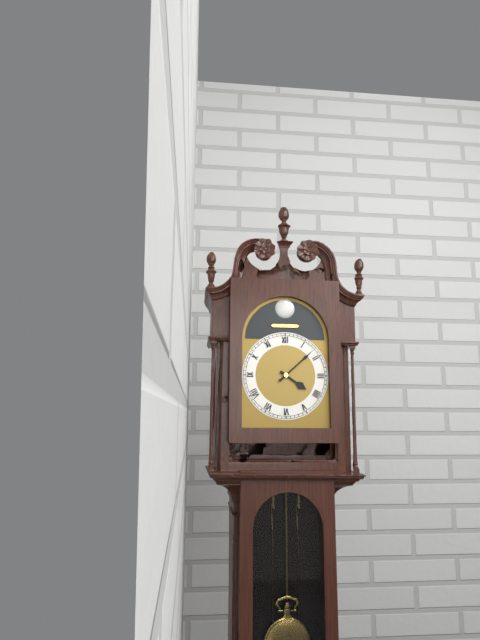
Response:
4.08
